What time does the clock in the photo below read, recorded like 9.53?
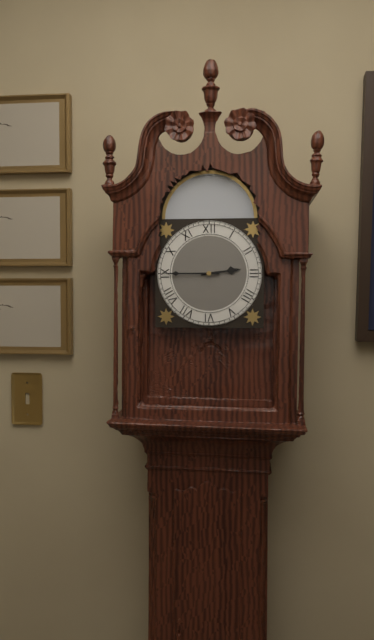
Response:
2.45
